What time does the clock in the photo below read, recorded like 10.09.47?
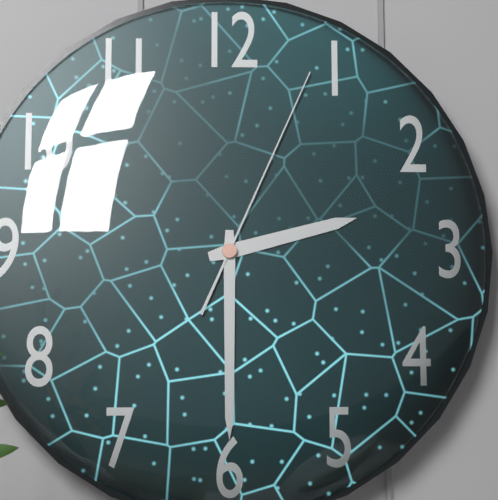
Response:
2.30.04
